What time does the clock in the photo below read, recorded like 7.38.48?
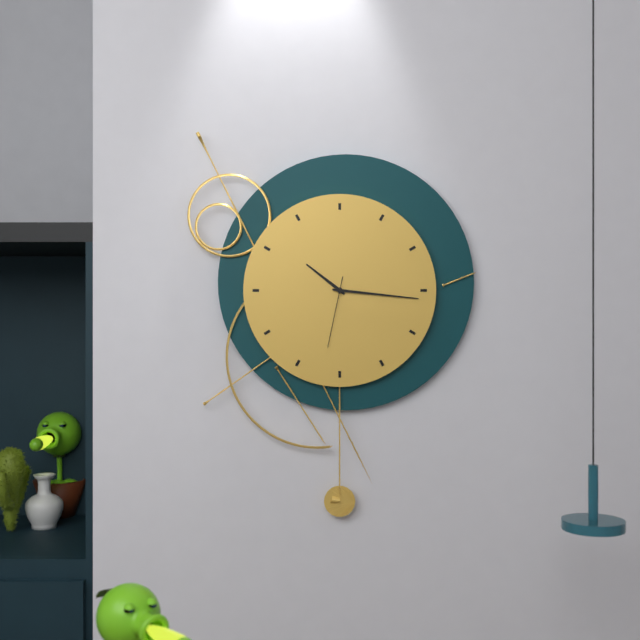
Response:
10.16.32
